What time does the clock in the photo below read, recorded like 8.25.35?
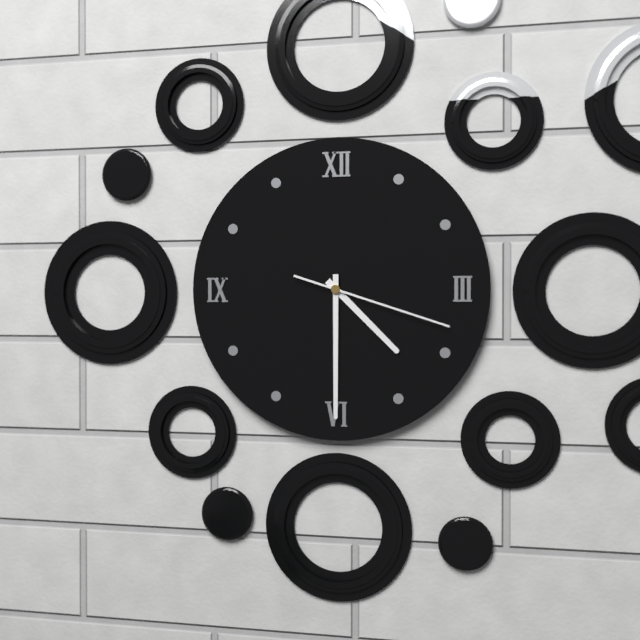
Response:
4.30.18
